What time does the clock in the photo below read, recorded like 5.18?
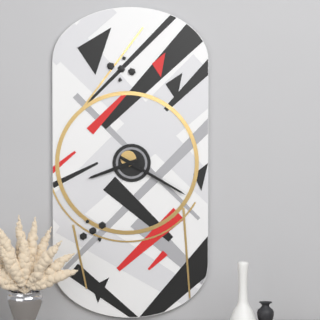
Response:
8.20
